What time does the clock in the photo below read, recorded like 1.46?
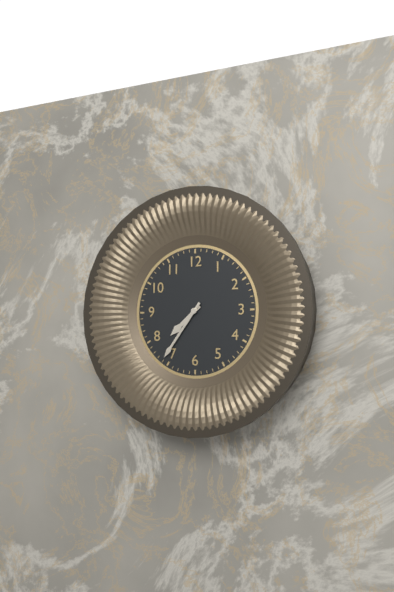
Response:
7.36
